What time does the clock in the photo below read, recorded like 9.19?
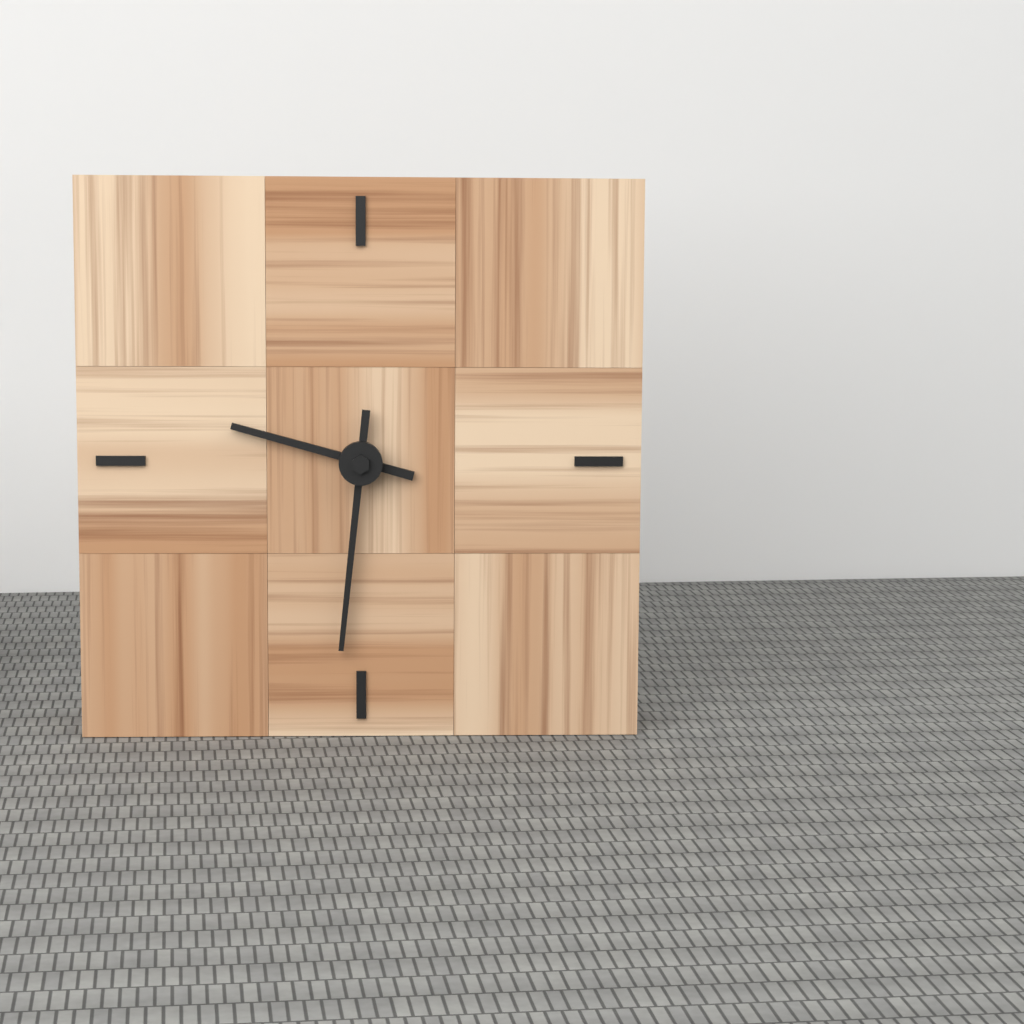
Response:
9.31
